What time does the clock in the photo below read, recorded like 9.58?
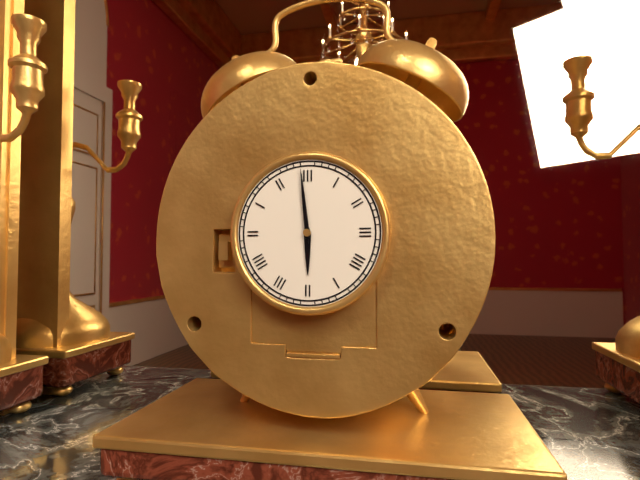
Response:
5.59
